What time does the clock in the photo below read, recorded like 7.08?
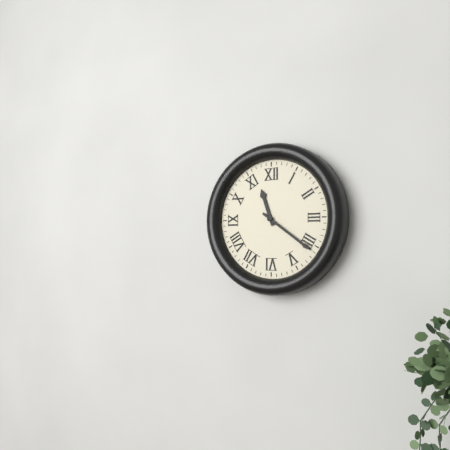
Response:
11.21
